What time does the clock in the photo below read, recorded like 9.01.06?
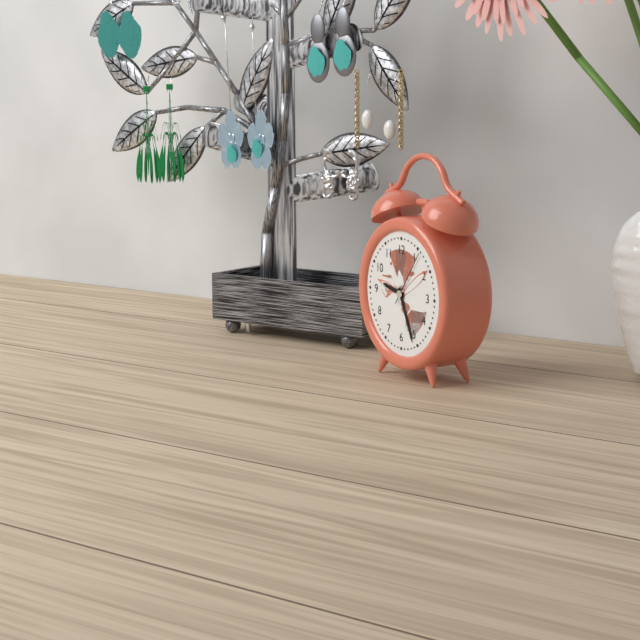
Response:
9.26.06
